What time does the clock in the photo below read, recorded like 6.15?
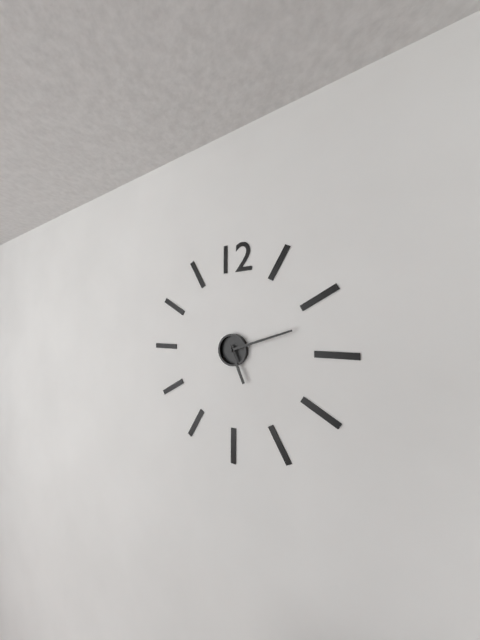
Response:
5.12
